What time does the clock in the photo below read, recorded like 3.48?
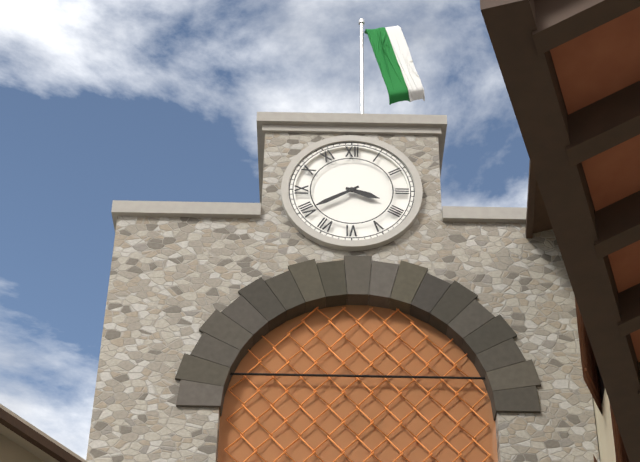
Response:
3.40
